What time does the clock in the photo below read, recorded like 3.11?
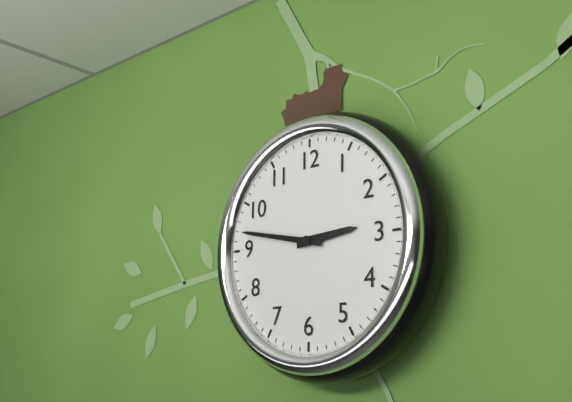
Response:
2.47
